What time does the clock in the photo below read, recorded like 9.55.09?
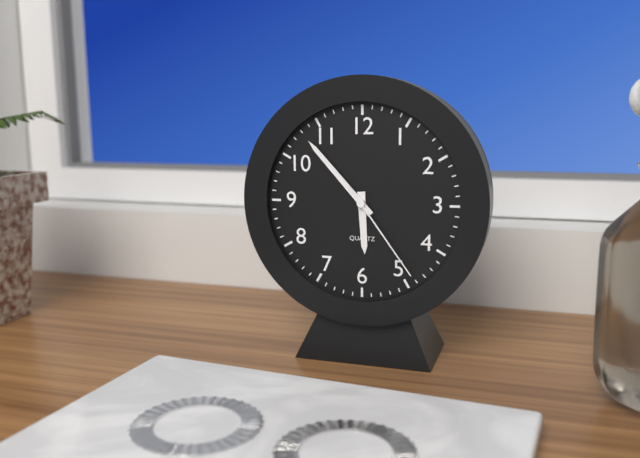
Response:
5.53.24
